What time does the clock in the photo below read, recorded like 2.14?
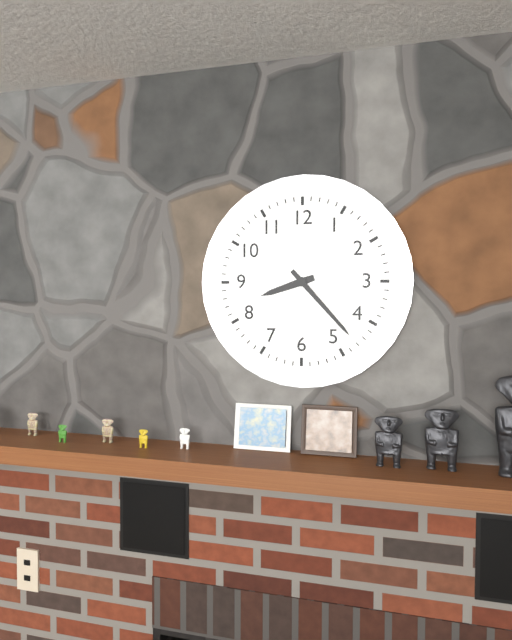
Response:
8.23
